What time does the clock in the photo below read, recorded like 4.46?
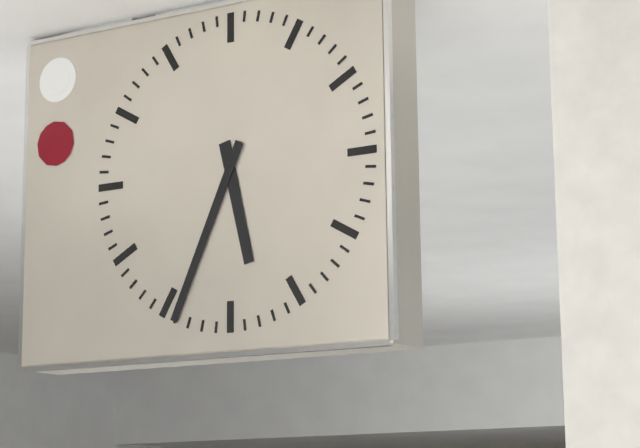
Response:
5.34
